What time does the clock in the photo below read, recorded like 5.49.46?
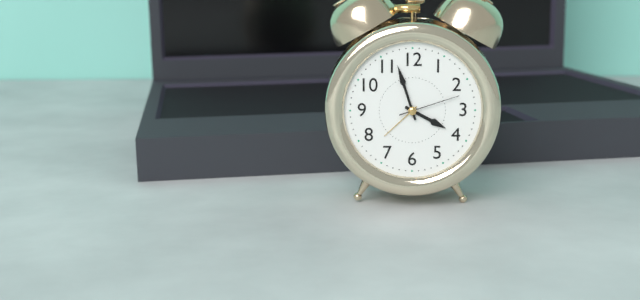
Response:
3.57.12
